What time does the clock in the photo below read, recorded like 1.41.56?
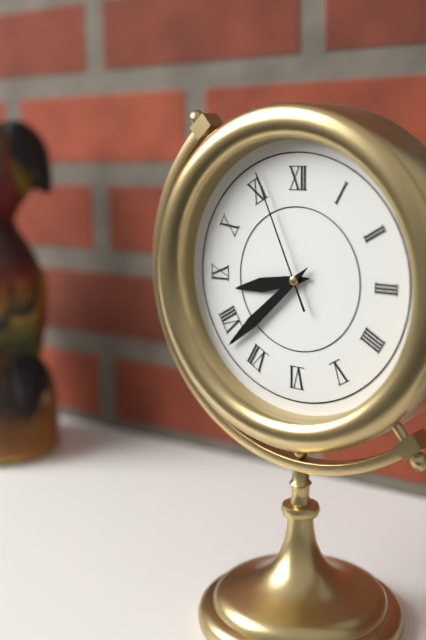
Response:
8.38.56
